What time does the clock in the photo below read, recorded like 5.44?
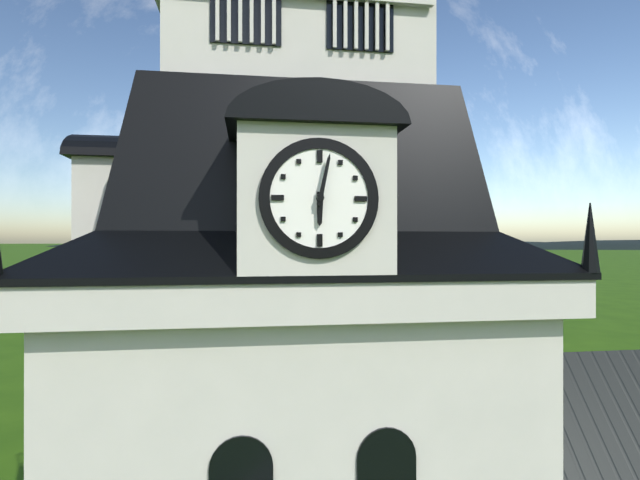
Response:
6.02
